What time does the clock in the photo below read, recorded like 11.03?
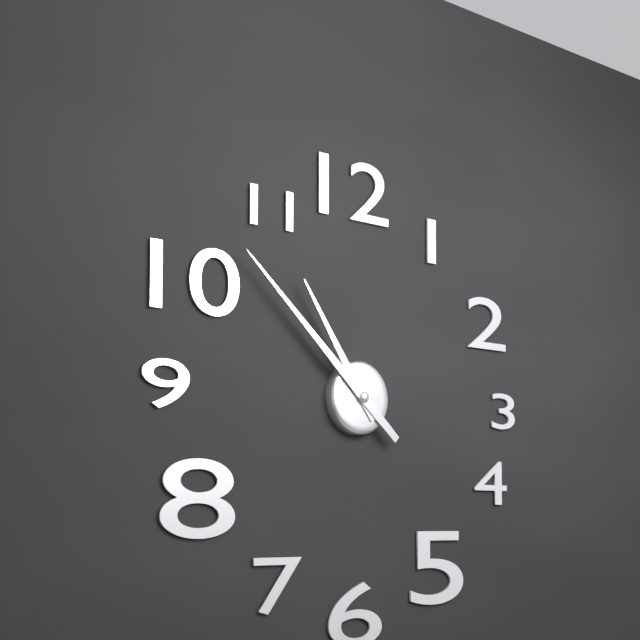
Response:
10.52
